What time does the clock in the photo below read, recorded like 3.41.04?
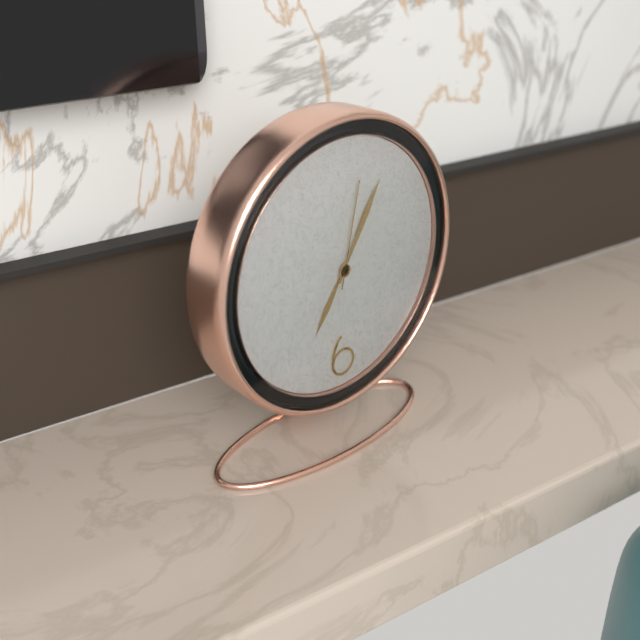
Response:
7.05.02
